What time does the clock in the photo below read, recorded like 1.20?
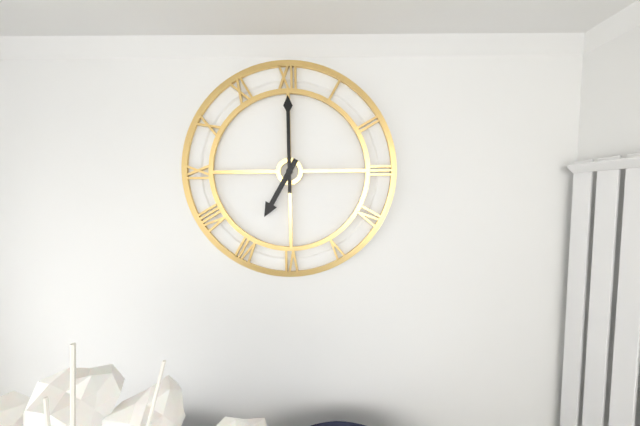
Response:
7.00
